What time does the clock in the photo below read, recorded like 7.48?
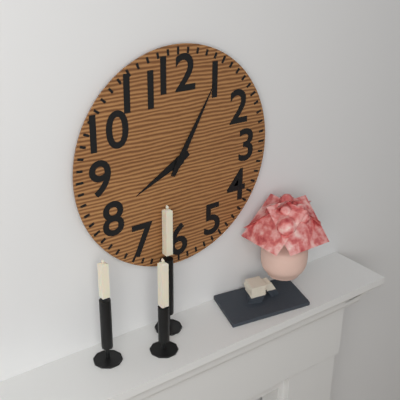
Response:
8.05
